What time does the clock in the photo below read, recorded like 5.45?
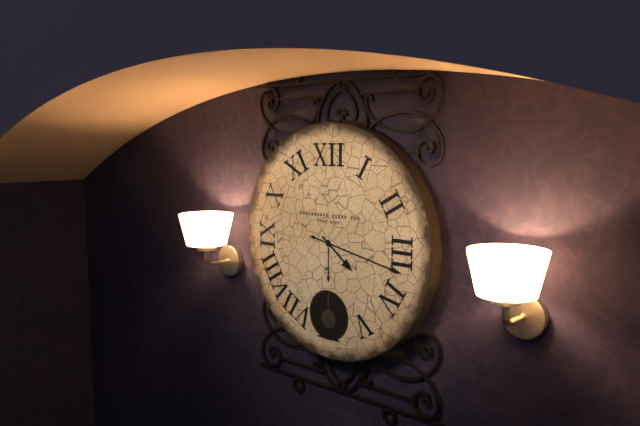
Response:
4.17
